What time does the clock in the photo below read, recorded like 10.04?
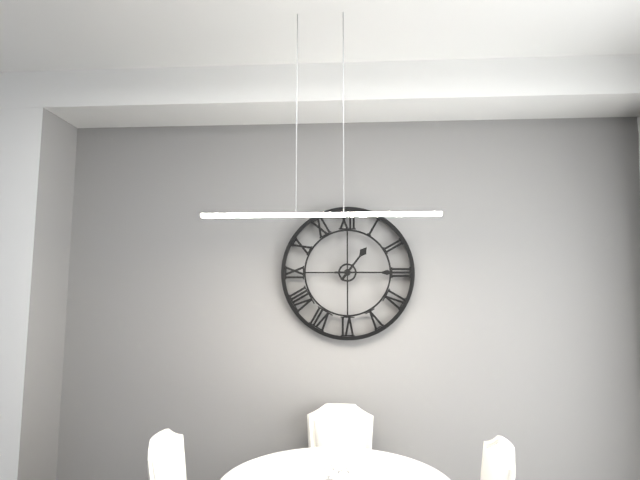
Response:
1.15
